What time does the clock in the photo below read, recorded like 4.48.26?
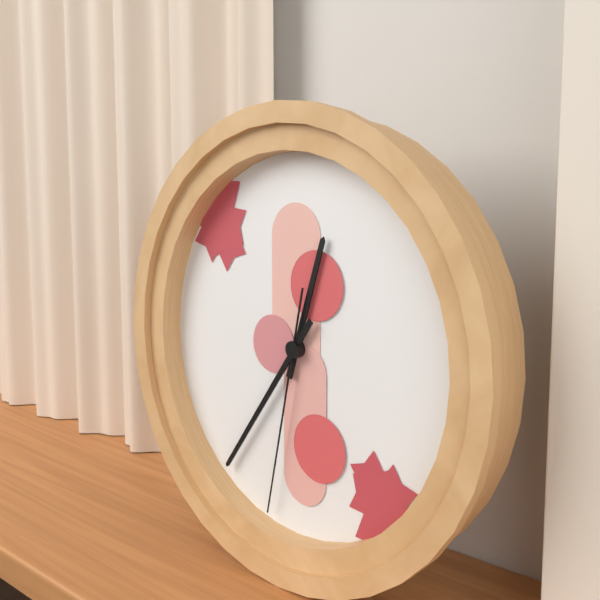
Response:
12.36.32
